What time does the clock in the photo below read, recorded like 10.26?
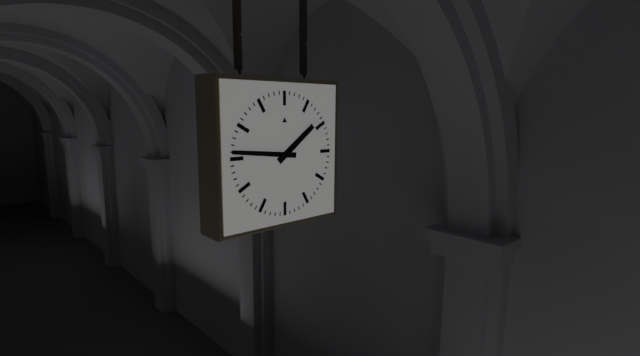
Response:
1.46
